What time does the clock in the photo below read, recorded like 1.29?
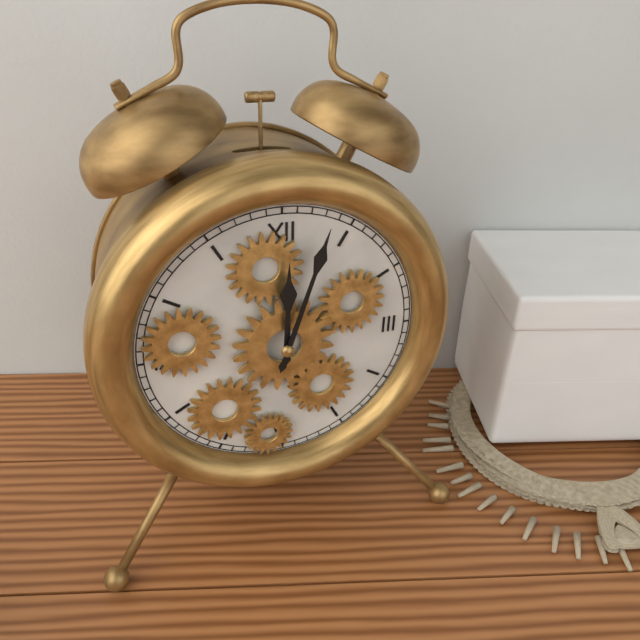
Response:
12.03
